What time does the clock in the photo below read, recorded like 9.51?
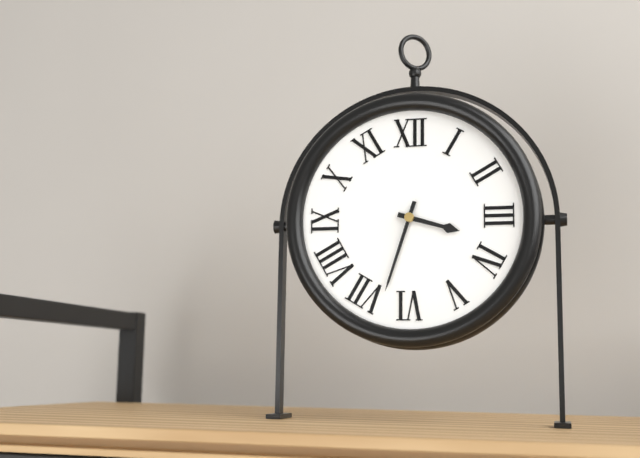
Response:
3.33
